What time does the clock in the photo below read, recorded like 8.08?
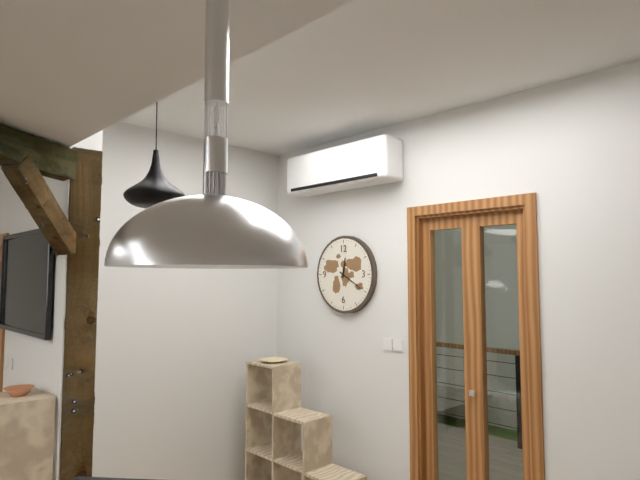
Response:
12.20
